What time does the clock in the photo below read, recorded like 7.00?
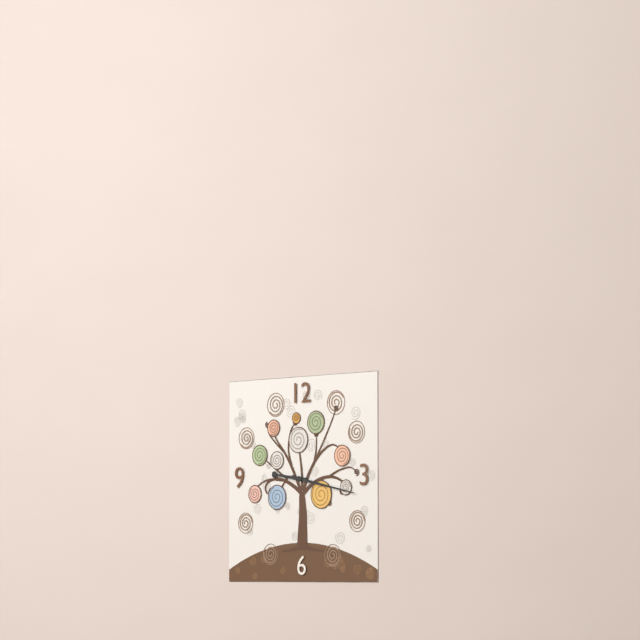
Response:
9.17
